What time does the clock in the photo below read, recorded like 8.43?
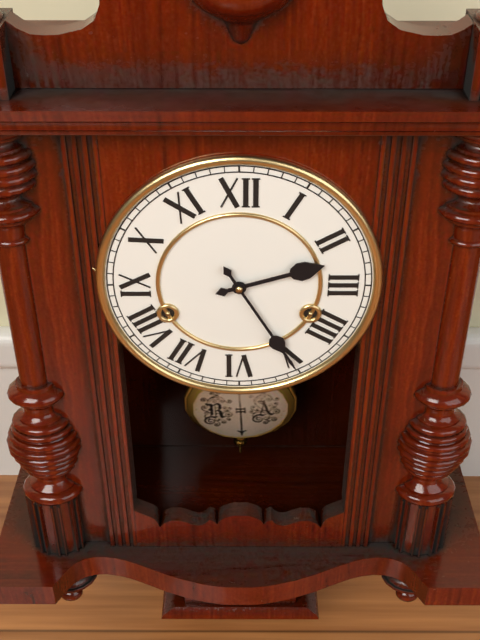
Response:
2.25
